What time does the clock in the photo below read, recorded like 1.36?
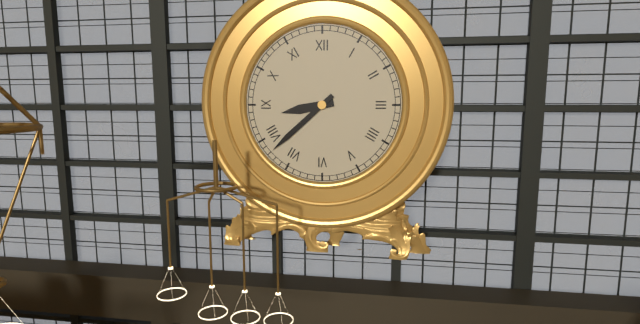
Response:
8.38
